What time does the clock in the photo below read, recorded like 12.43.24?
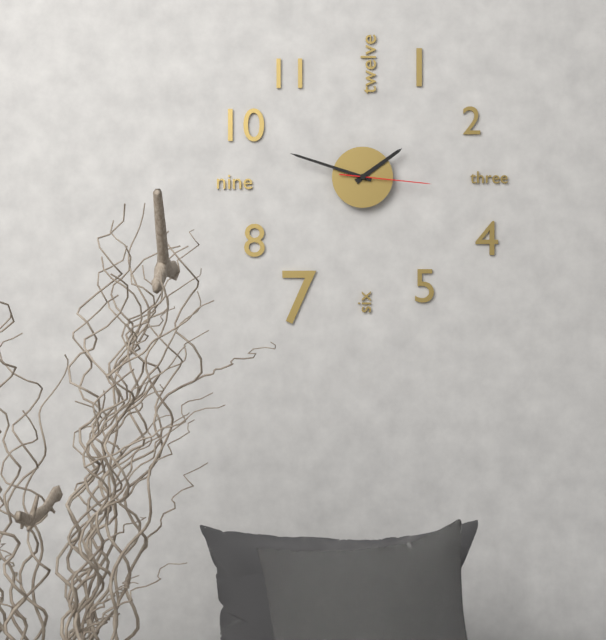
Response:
1.48.16
